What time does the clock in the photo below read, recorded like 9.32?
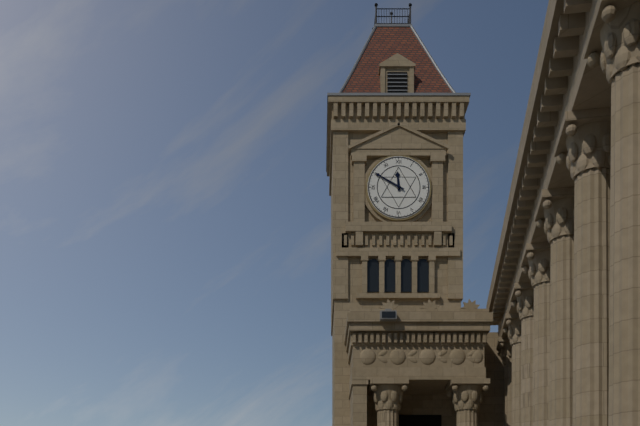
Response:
11.50
